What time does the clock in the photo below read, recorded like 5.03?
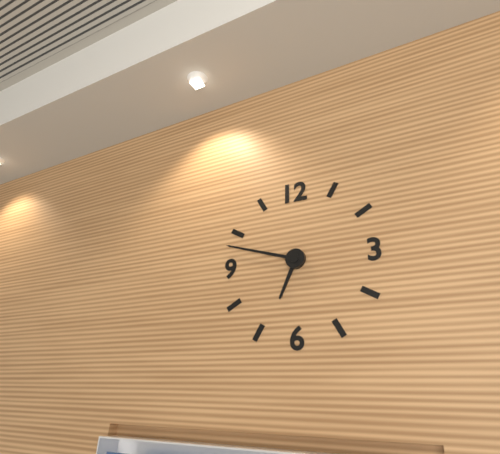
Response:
6.48
